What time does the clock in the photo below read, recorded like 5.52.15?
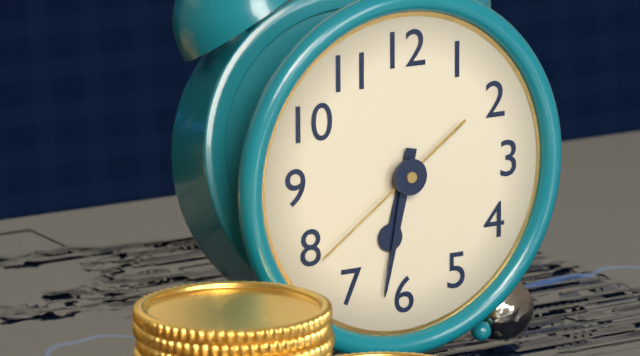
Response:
6.32.39
